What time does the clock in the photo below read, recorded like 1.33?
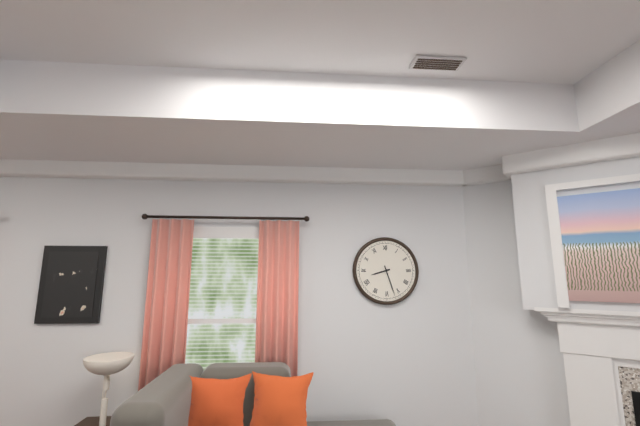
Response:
8.27
